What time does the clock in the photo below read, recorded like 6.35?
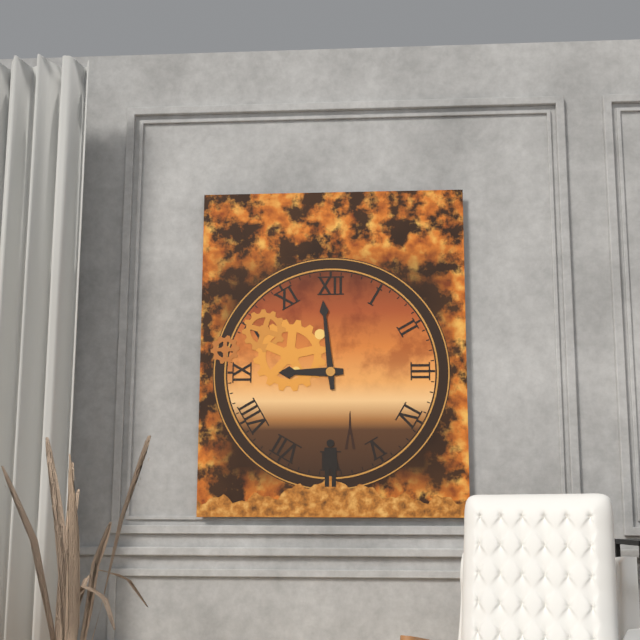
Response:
8.59
